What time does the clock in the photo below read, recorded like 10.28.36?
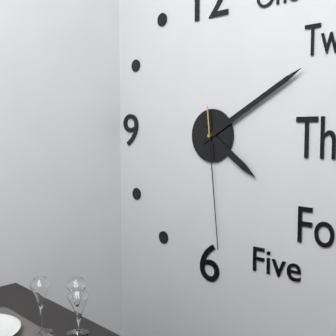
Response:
4.10.29
